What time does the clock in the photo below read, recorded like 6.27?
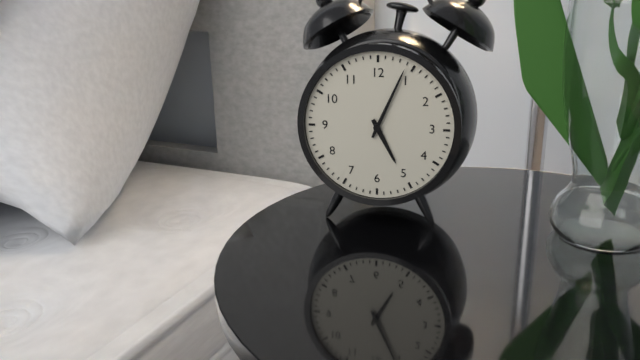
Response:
5.04
